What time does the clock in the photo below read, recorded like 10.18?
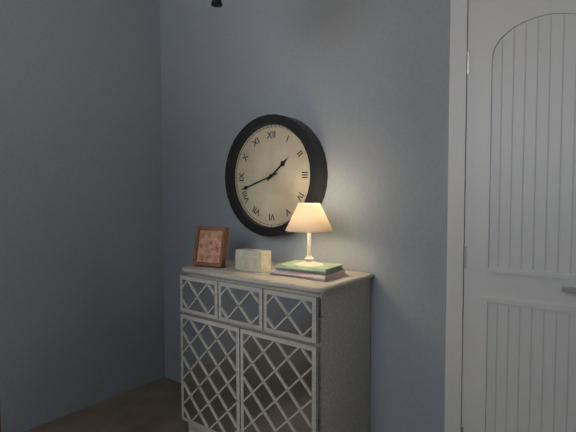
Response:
1.42
